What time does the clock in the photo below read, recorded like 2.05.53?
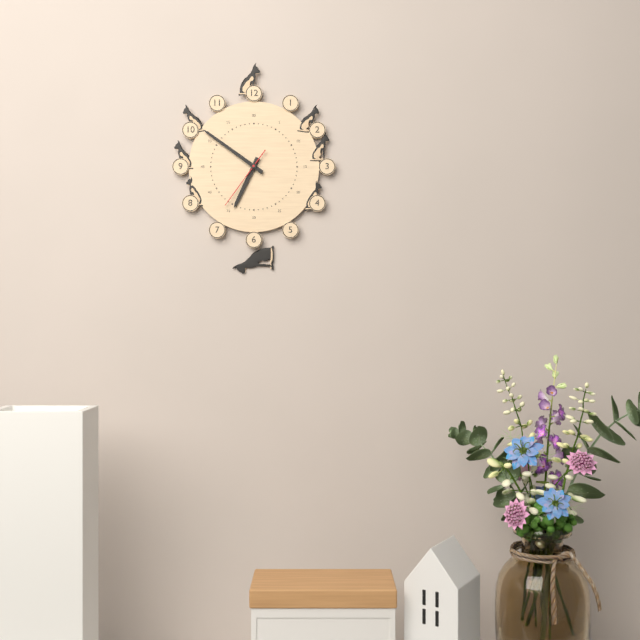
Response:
6.51.36
